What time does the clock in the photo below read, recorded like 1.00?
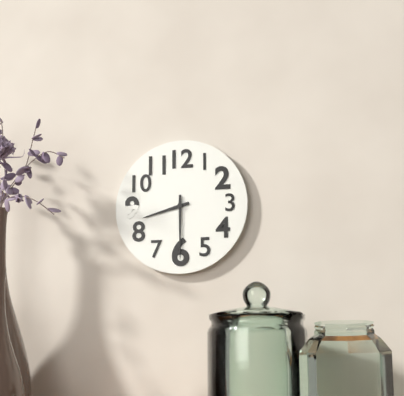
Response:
8.30
